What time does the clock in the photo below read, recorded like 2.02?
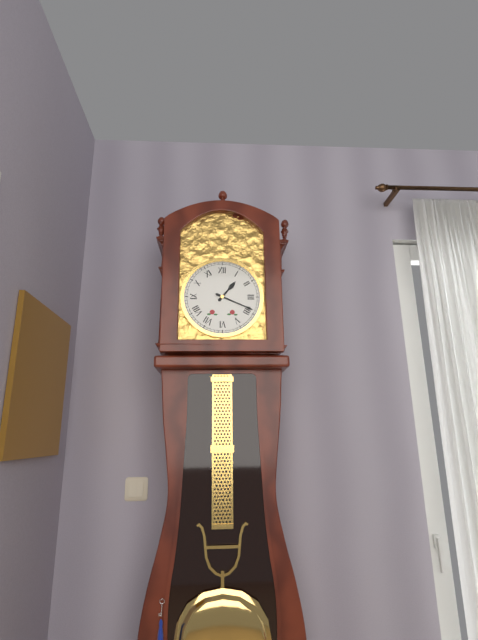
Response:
1.19
